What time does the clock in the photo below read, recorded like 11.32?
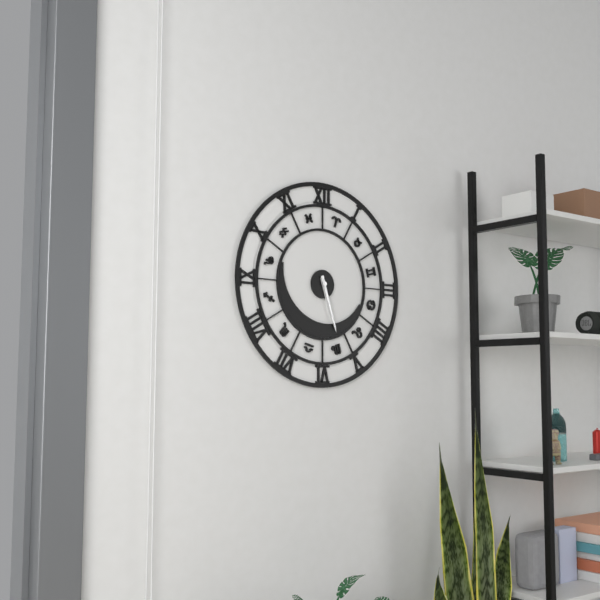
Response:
5.27
